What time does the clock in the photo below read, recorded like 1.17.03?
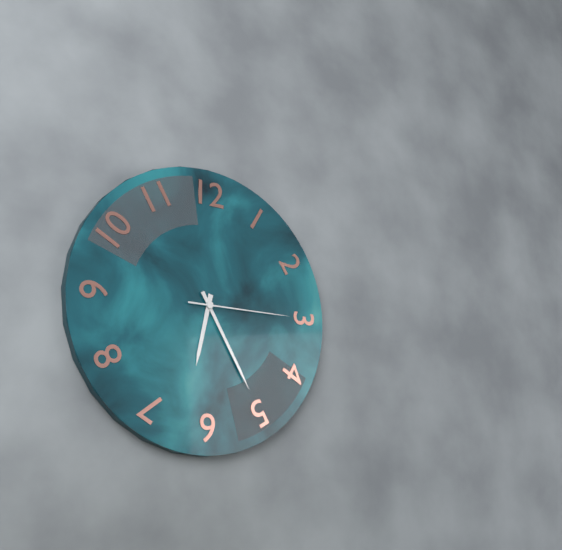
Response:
6.25.15
